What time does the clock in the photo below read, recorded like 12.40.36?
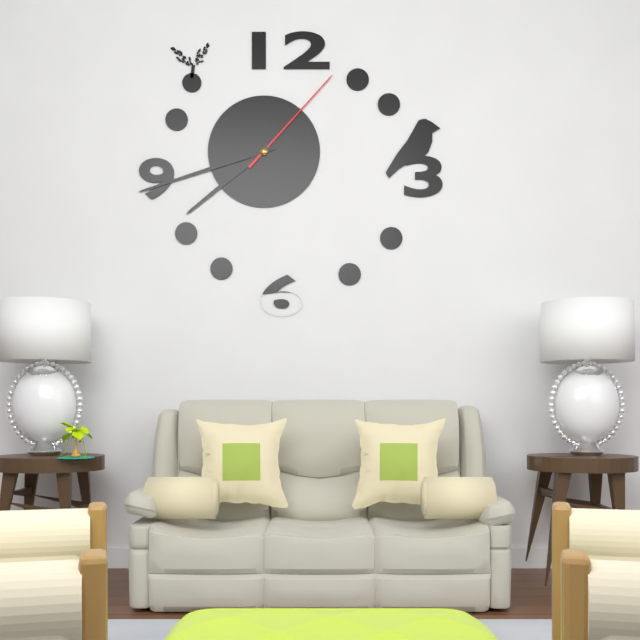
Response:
7.42.07
